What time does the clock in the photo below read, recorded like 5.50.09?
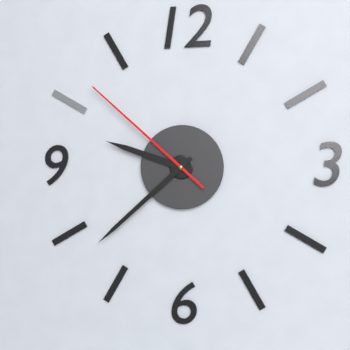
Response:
9.38.52
